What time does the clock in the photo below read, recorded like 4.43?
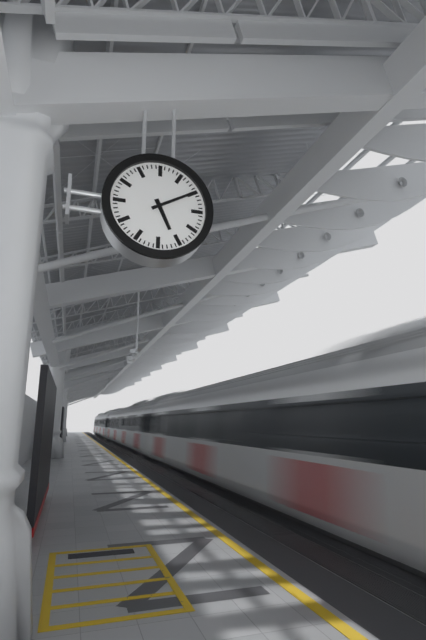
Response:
5.10
